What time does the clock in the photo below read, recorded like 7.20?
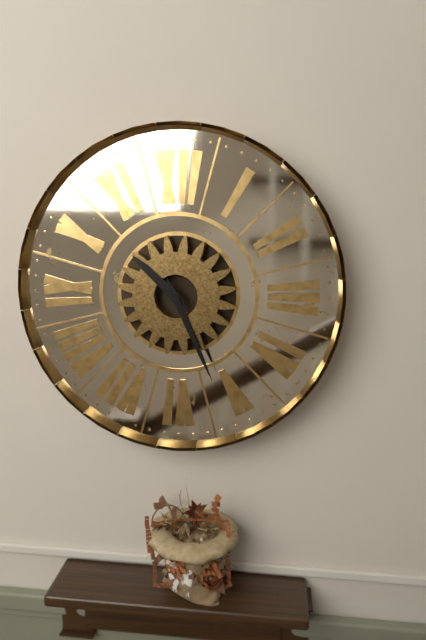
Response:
10.26
